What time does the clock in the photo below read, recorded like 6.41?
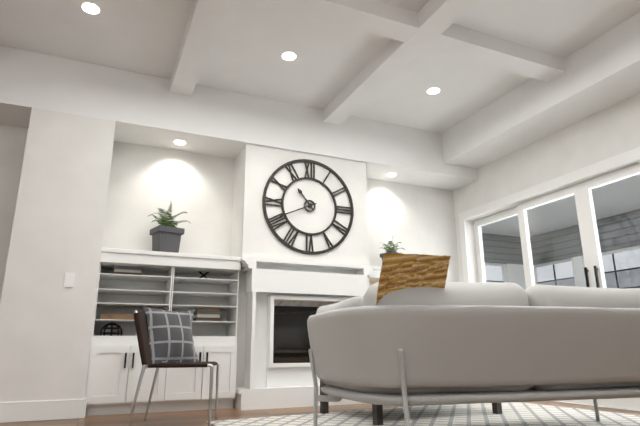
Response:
10.41
